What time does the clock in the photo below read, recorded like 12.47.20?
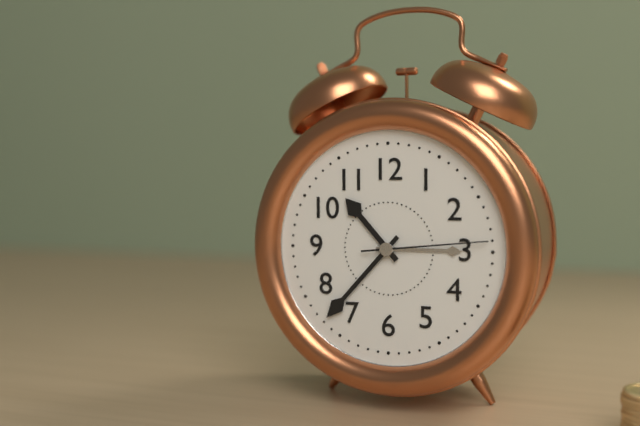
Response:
10.37.14
